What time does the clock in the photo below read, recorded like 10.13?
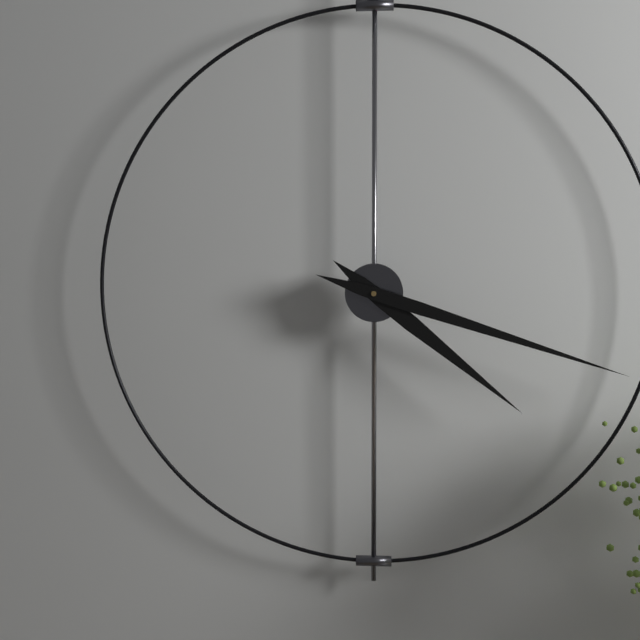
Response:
4.18
